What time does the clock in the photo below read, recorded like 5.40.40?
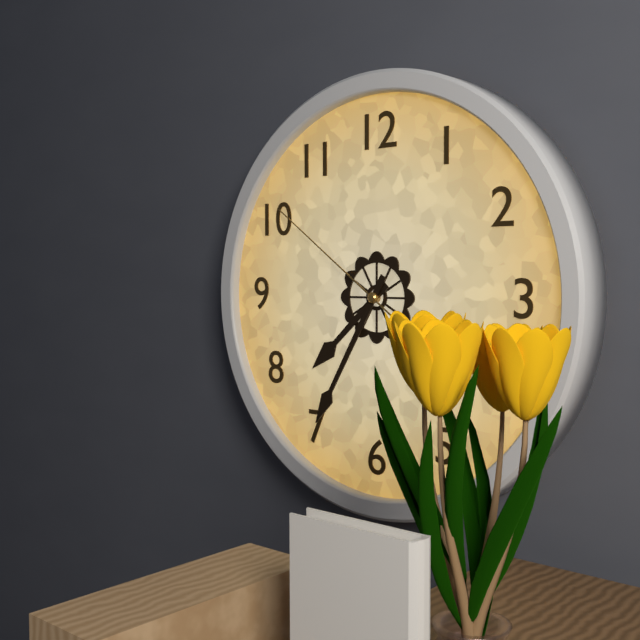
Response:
7.35.51
